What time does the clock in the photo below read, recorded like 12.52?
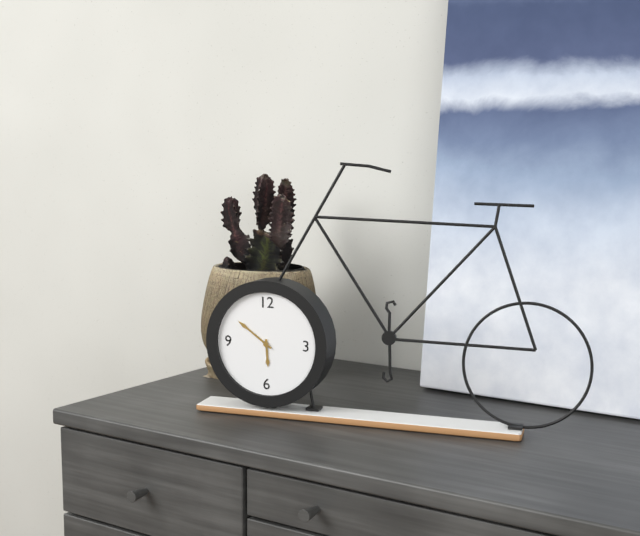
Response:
5.51
